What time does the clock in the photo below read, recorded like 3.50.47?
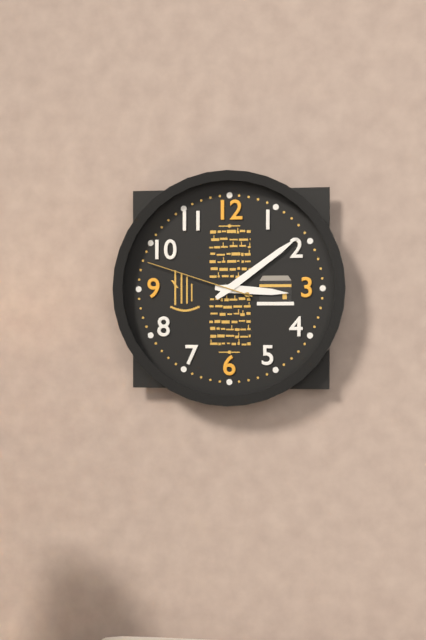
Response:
3.09.48
